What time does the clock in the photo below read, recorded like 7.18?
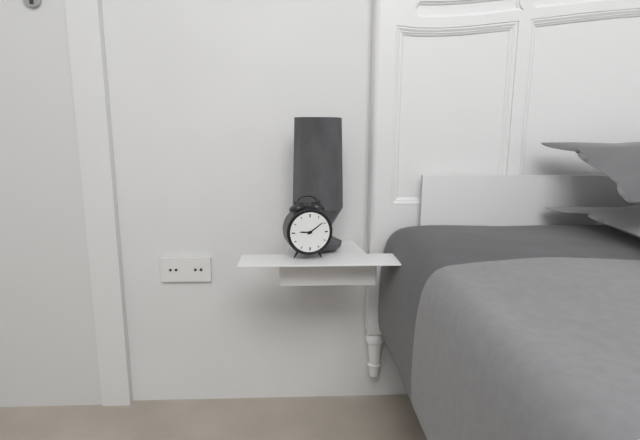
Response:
9.09
